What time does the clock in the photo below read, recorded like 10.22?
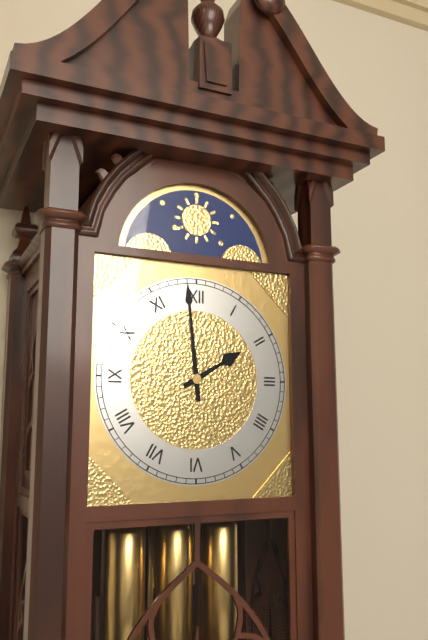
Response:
1.59
